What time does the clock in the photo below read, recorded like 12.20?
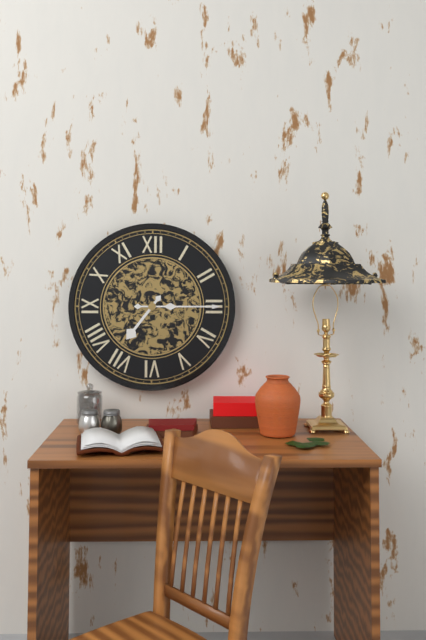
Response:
7.15
